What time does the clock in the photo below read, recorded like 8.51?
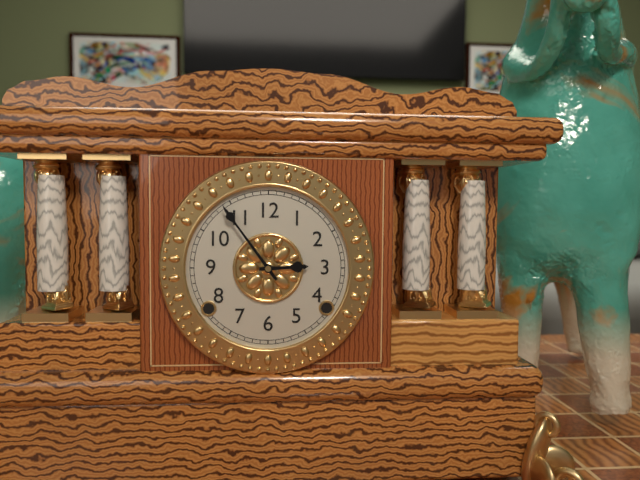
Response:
2.54
